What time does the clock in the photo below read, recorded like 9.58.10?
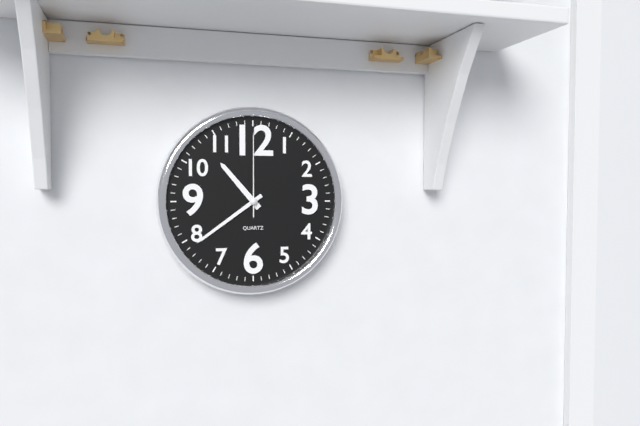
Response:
10.39.00
